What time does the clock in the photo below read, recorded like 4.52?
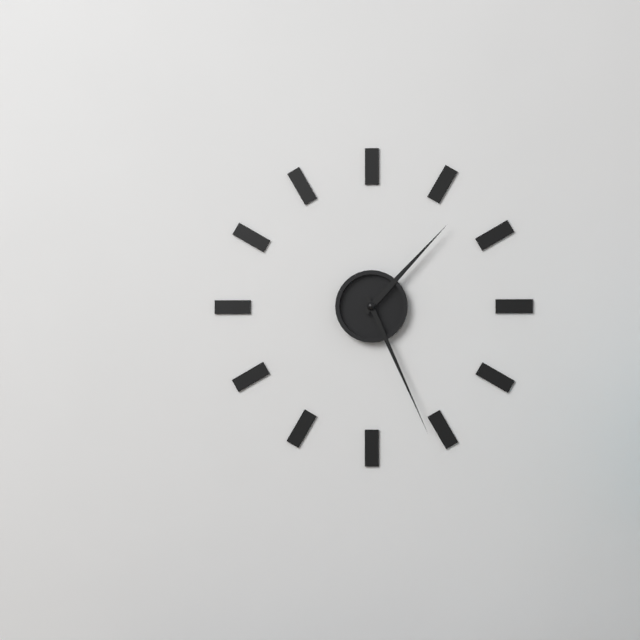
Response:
1.26
